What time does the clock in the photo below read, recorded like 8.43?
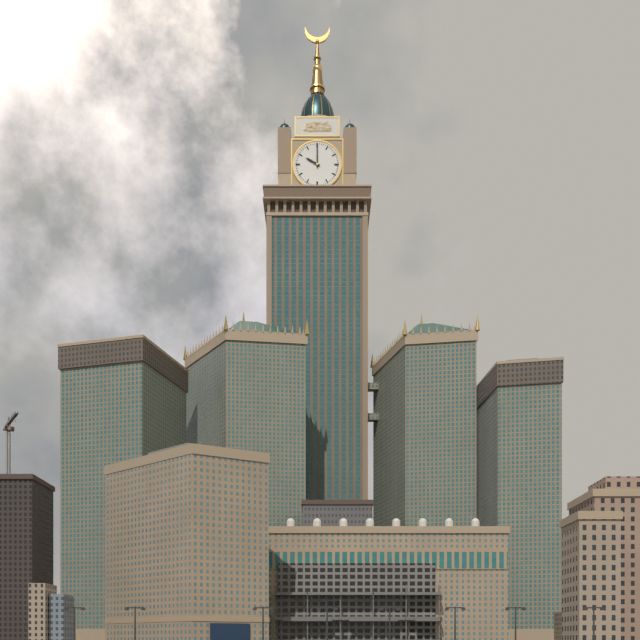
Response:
10.00
